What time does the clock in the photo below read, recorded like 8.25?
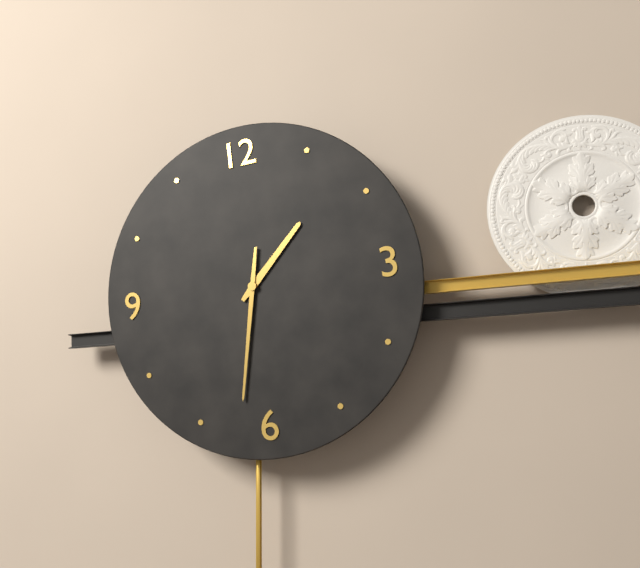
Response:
1.32
